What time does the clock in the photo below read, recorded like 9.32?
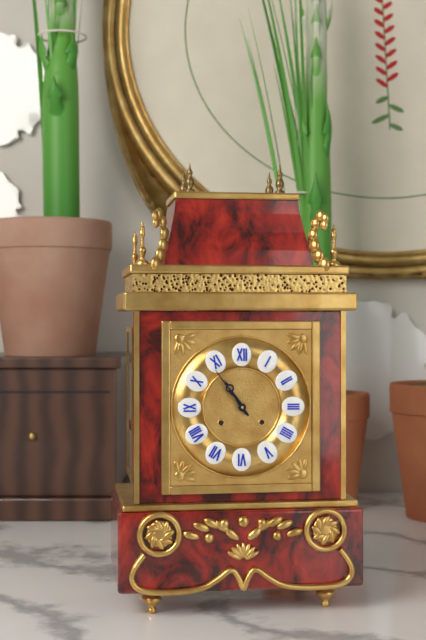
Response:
10.54
